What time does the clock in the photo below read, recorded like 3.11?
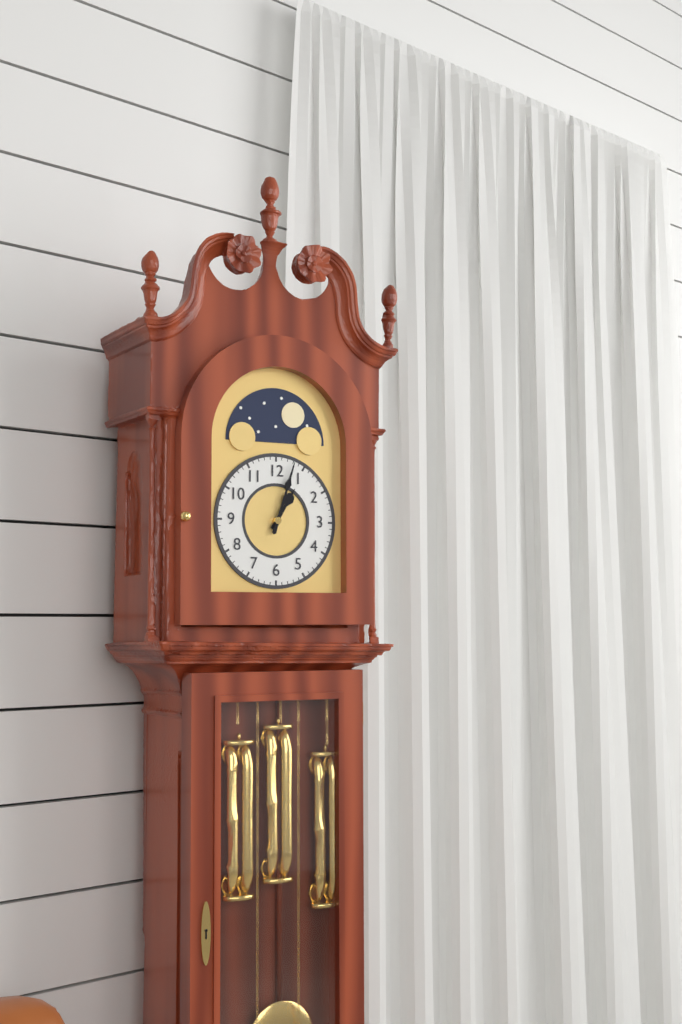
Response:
1.03
